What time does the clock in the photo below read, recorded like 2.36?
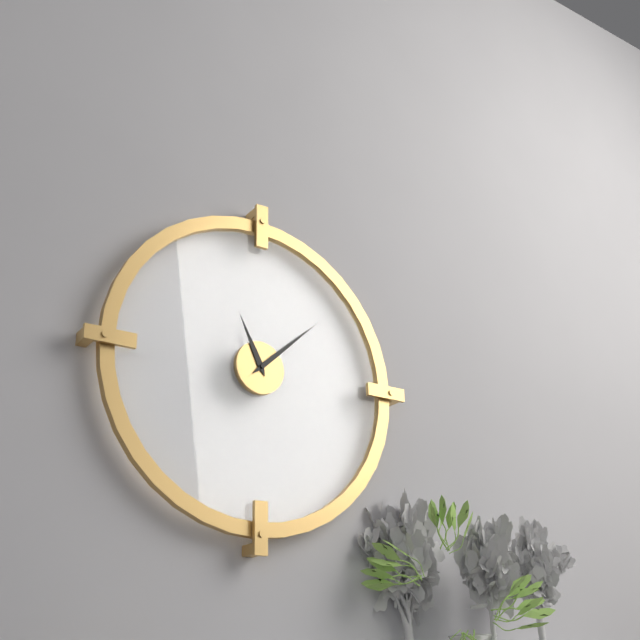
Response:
11.08
